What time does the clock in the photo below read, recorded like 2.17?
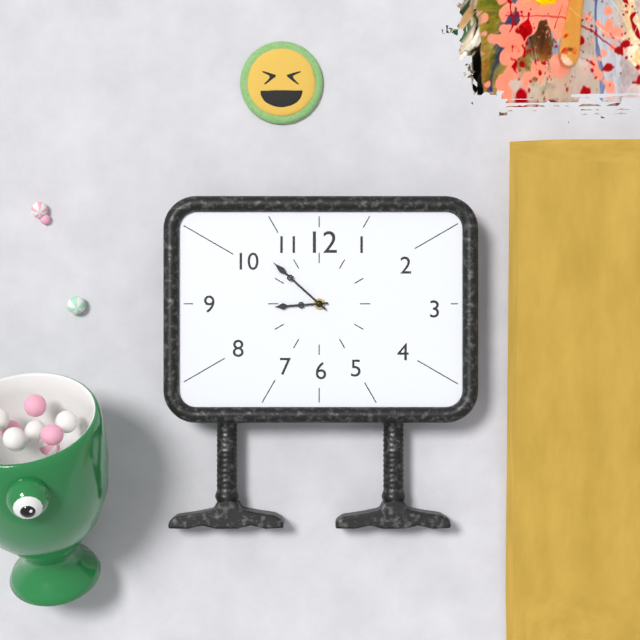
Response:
8.52
